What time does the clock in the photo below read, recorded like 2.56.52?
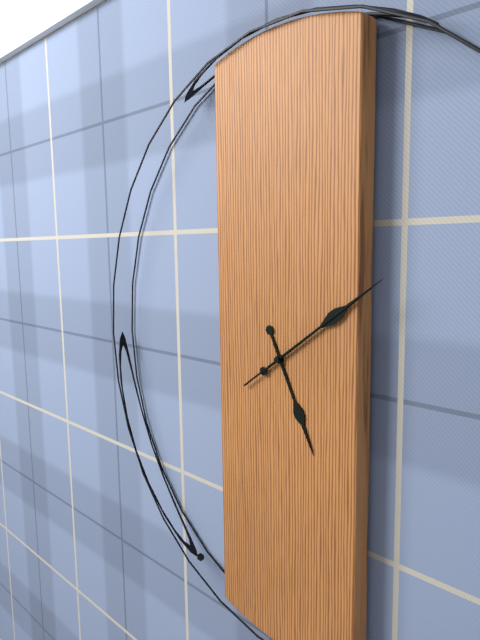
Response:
5.09.09
